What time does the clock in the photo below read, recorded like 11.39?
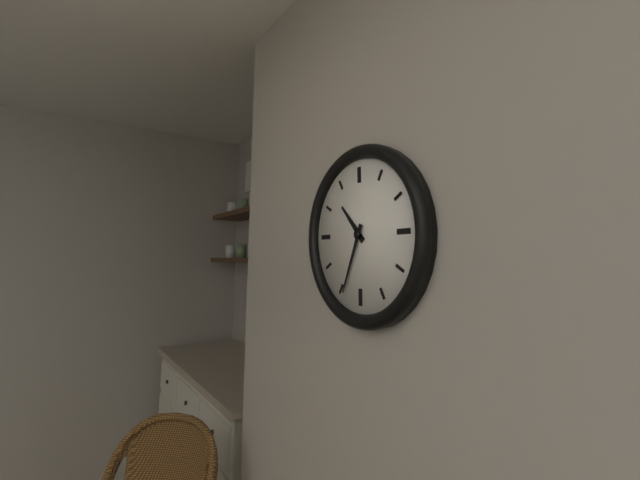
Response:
10.34
